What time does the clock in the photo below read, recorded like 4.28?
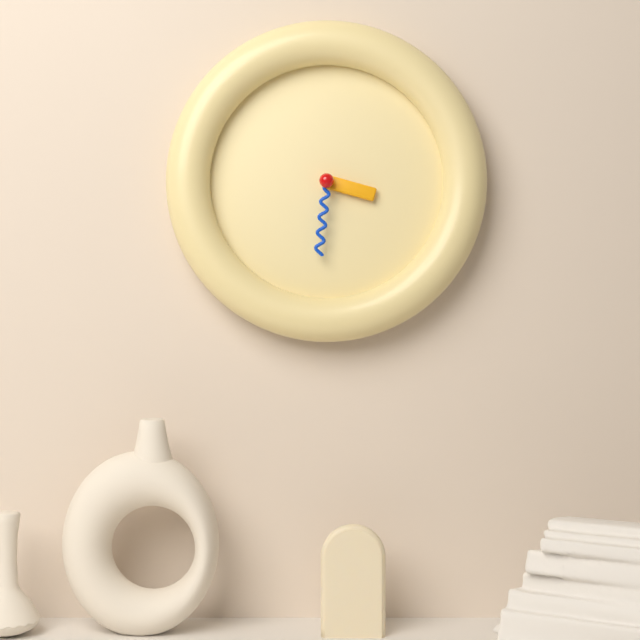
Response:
3.31
